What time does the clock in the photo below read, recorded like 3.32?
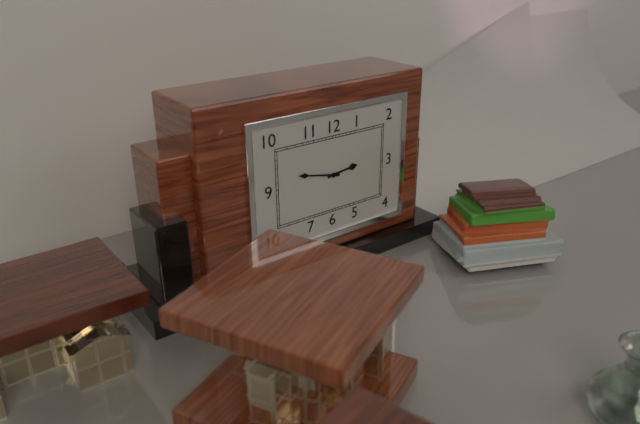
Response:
2.47
